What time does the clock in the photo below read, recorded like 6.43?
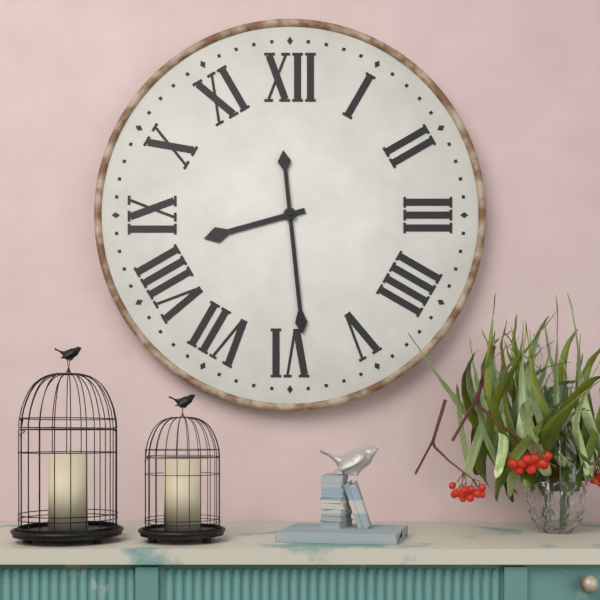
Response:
8.29
